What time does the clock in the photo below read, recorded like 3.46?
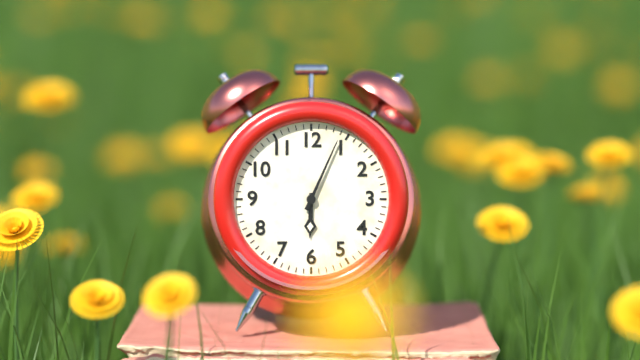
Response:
6.04
